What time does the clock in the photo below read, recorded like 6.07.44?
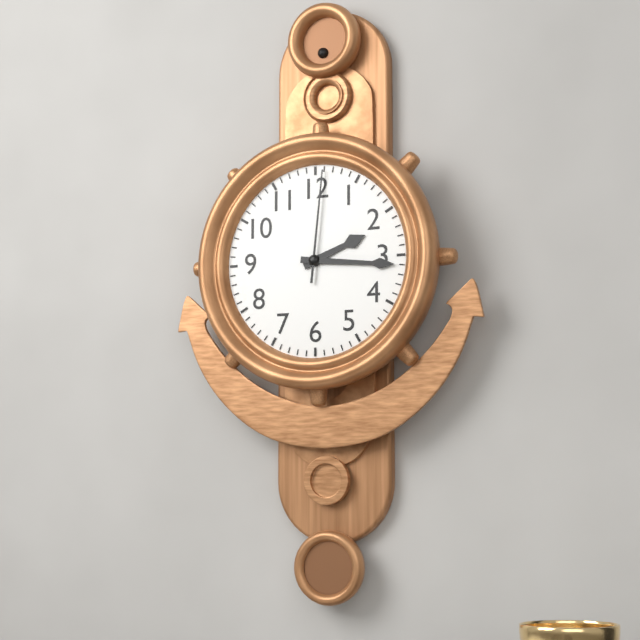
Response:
2.16.01
